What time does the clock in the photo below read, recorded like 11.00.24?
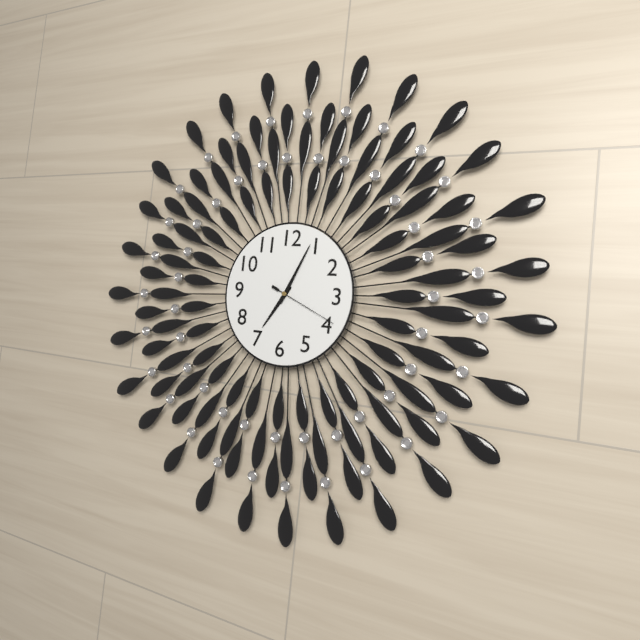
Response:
7.04.19
